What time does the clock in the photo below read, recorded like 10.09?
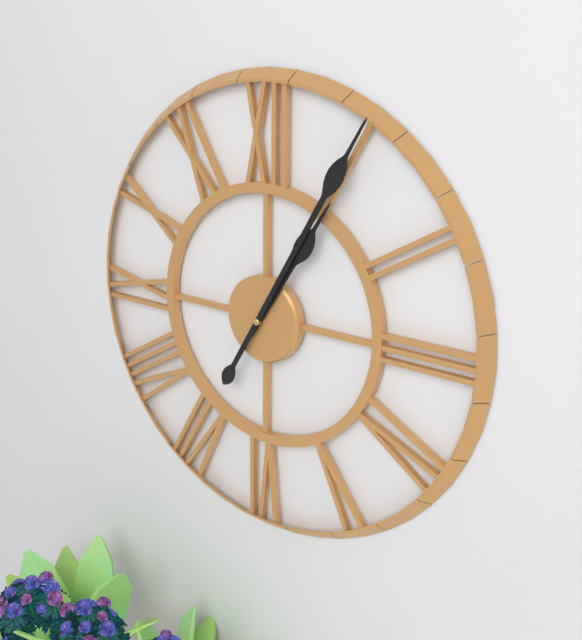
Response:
1.05
